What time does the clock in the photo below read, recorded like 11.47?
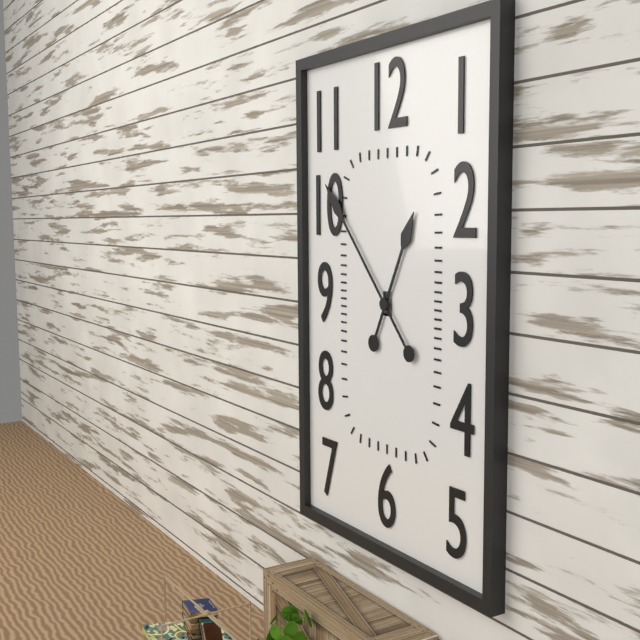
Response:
12.53
